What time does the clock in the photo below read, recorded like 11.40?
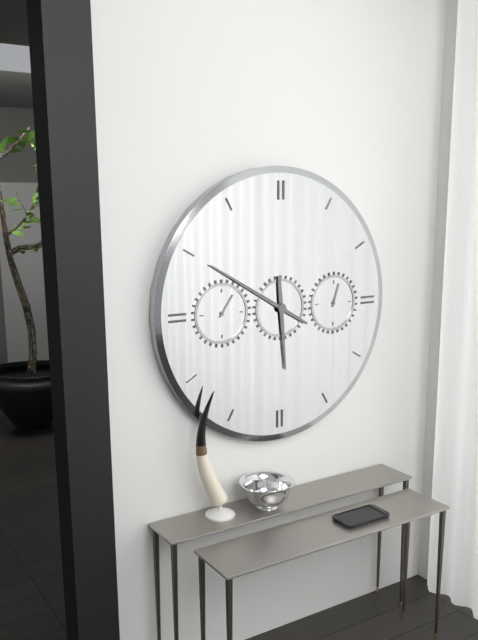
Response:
5.50
